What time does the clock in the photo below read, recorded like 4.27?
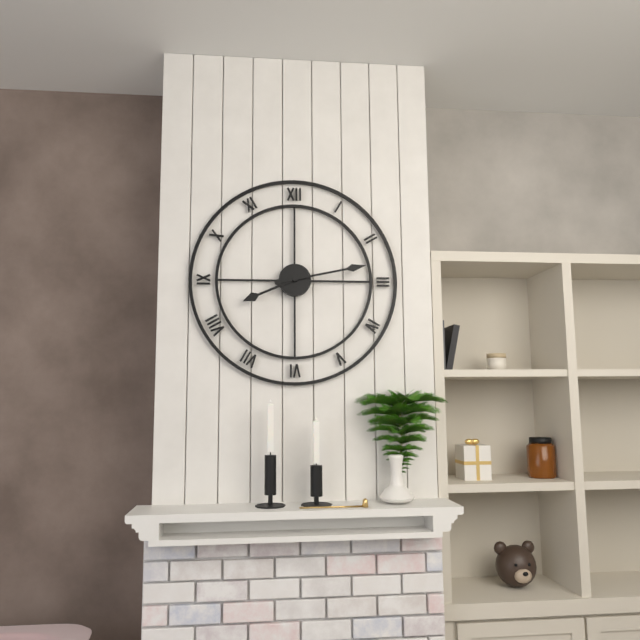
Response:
8.13
